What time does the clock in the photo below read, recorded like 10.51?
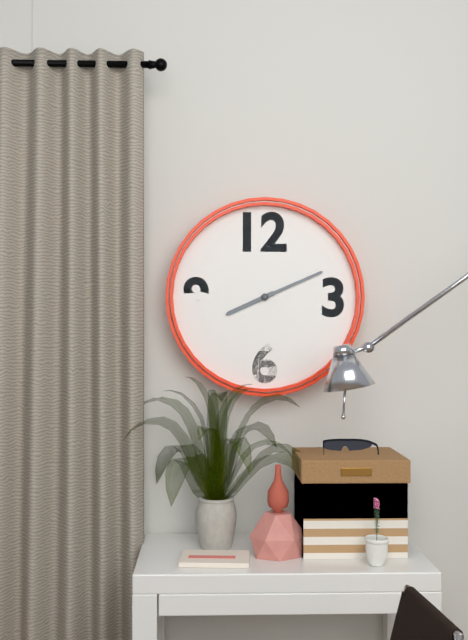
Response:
8.11
